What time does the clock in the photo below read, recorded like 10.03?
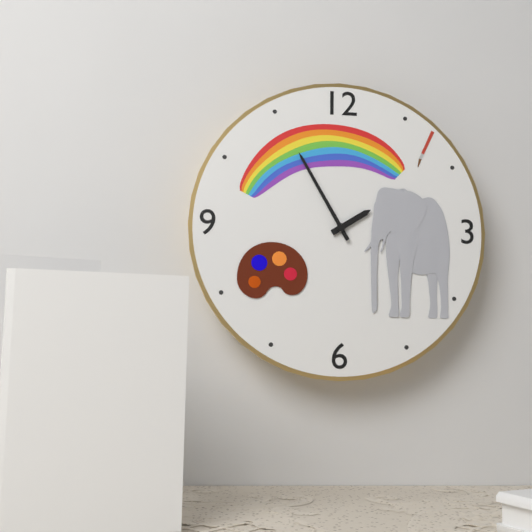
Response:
1.55
